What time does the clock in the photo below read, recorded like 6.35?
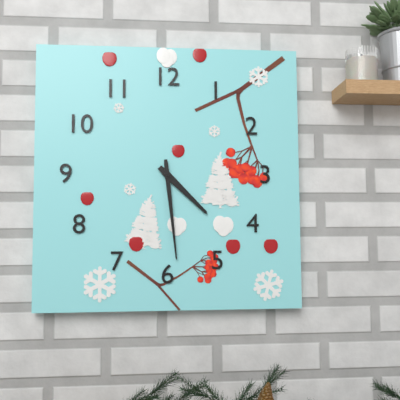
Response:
4.29
